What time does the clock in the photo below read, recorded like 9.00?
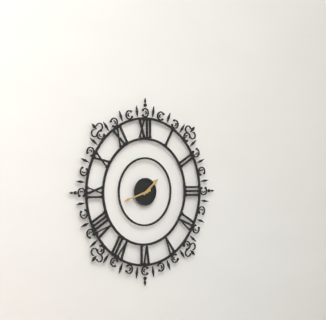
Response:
1.42
